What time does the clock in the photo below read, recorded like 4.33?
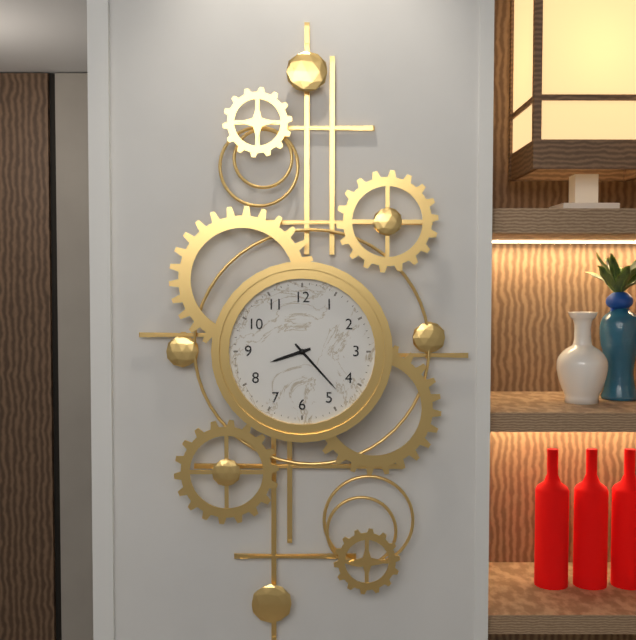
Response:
8.23
